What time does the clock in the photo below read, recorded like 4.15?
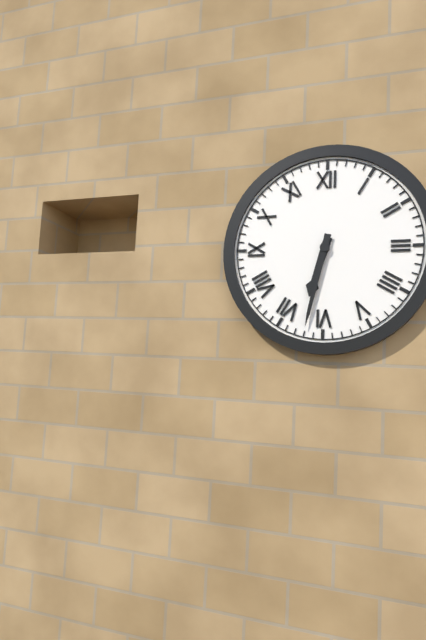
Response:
6.32
